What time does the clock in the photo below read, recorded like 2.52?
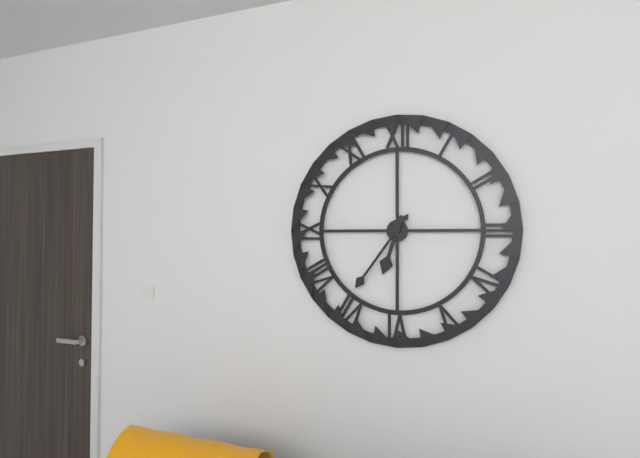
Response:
6.36
